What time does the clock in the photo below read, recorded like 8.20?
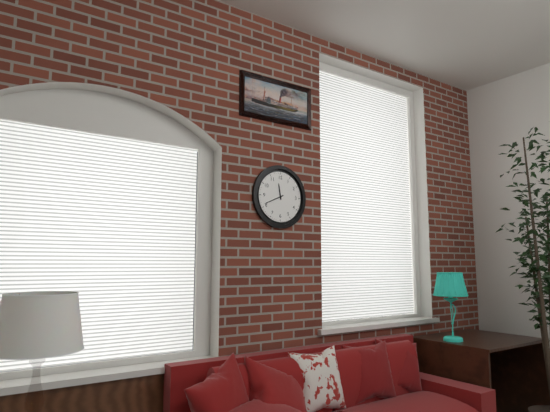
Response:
11.41
